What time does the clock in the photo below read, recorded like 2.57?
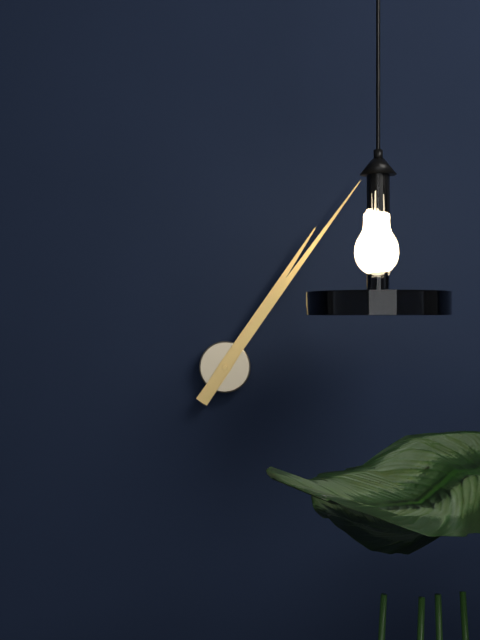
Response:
1.06
